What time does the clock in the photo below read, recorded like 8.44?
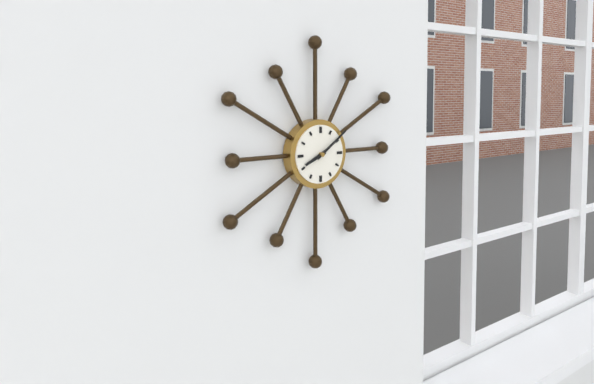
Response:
8.09
